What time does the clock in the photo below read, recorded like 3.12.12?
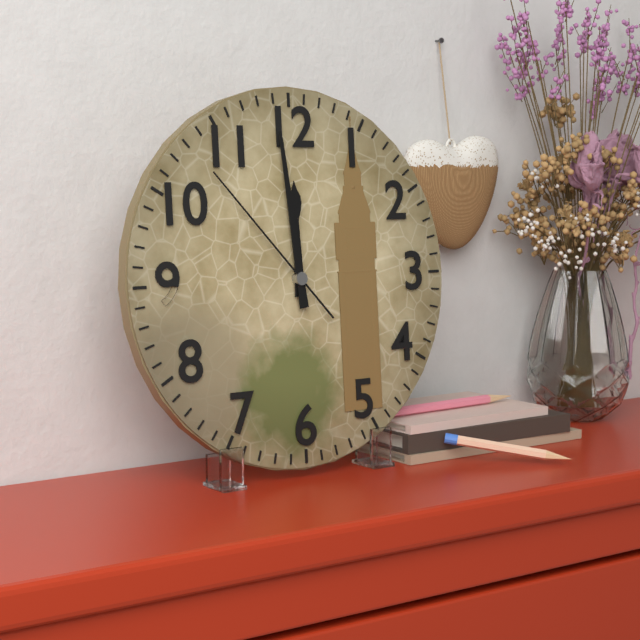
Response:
11.59.53
